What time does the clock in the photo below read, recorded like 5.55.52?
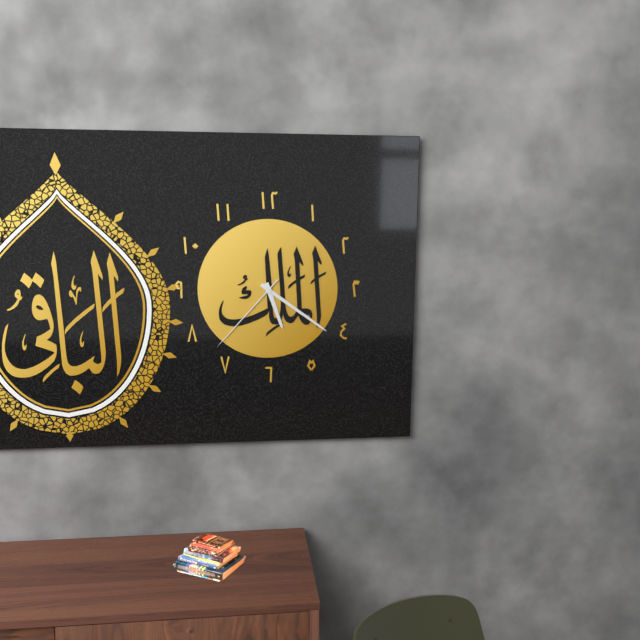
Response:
5.21.37
